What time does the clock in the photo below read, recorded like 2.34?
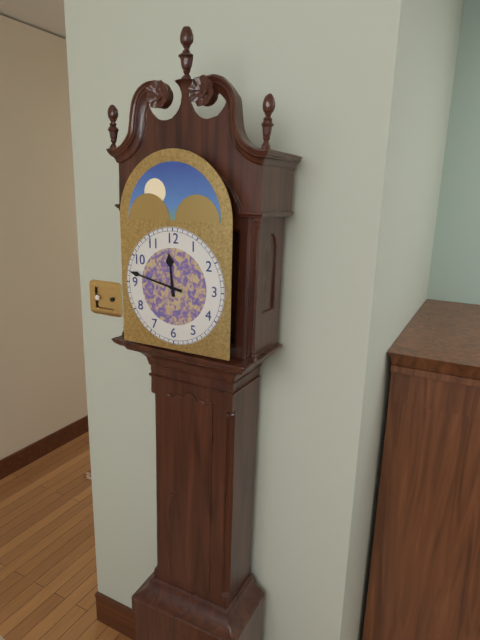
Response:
11.47
